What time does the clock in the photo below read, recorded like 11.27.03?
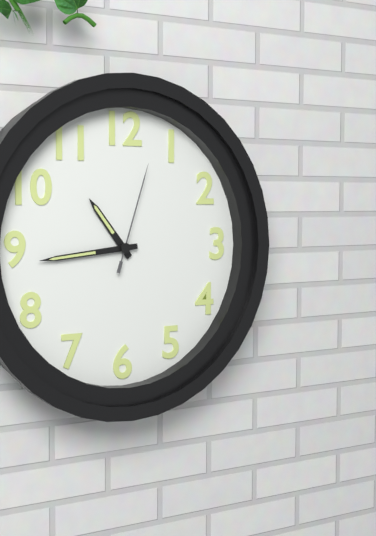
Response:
10.44.03
